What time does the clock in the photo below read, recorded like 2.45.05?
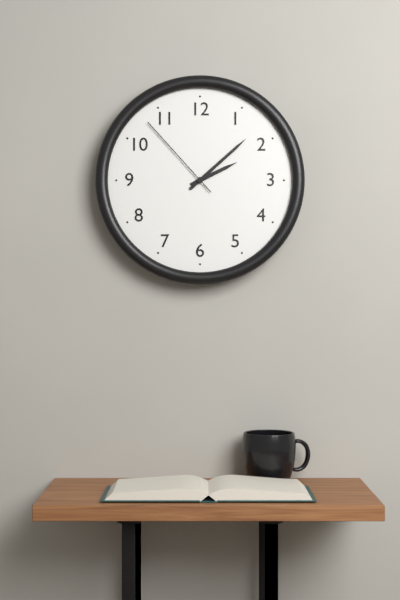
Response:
2.08.53
